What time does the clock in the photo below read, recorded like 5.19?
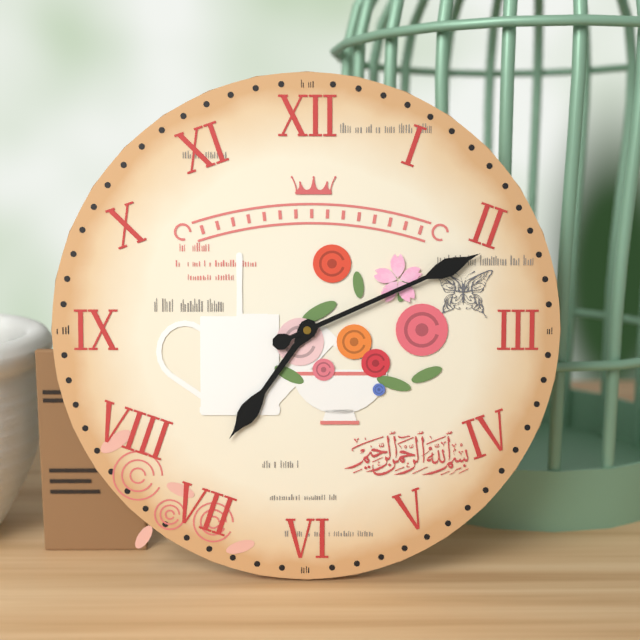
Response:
7.11
